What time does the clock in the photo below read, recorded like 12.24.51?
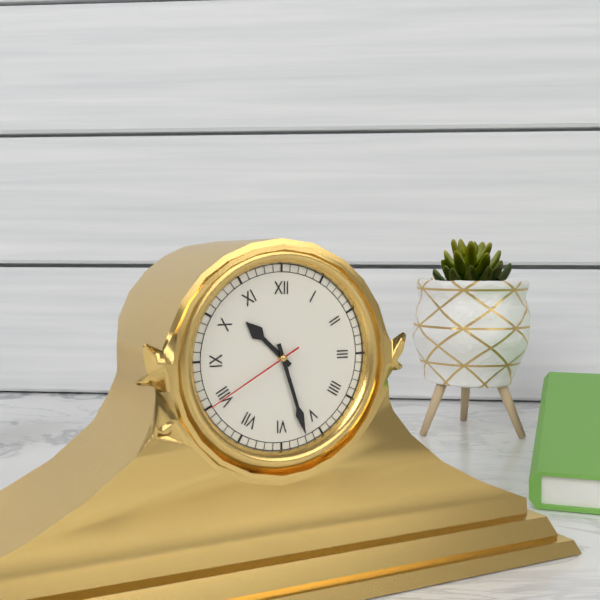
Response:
10.27.40
